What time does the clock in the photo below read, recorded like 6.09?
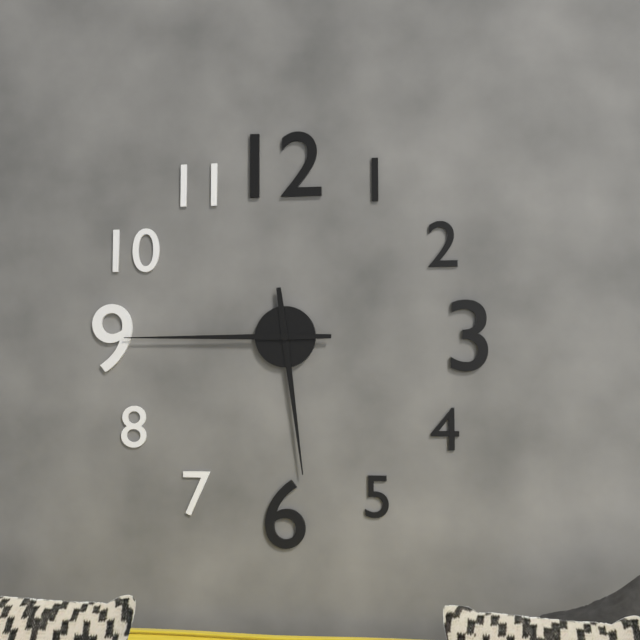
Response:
5.45
